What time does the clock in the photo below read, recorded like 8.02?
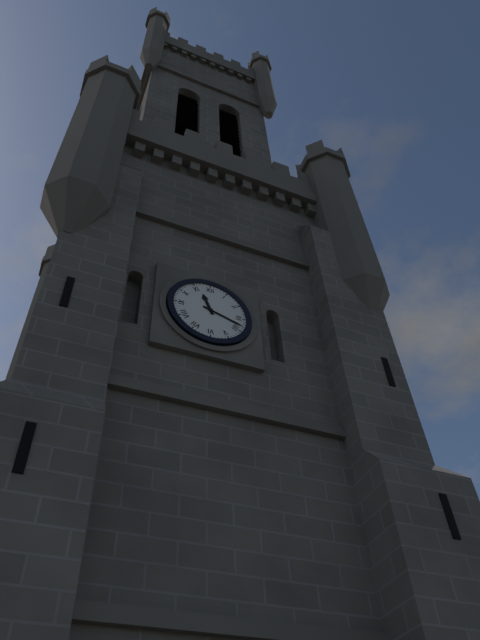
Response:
11.18
